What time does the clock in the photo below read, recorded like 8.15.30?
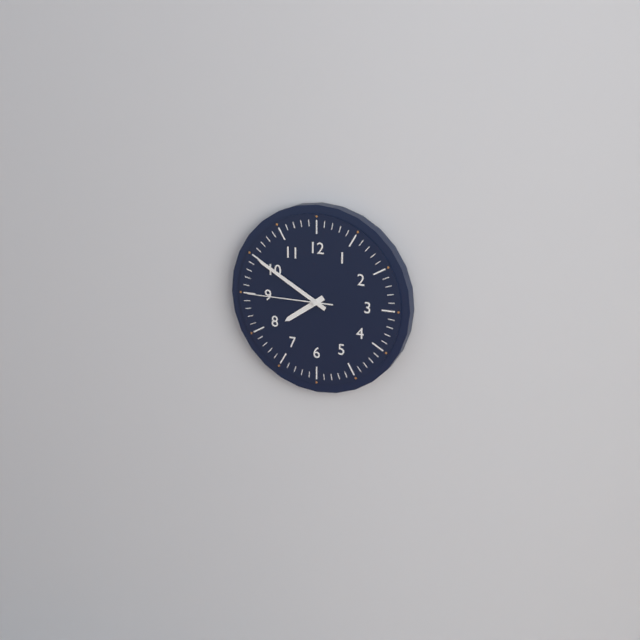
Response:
7.50.45
